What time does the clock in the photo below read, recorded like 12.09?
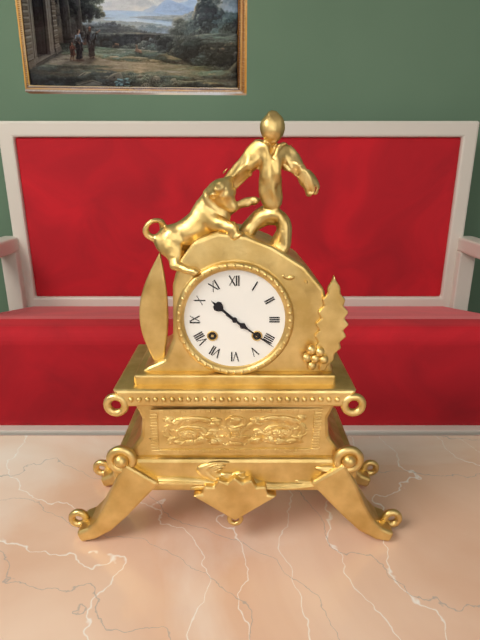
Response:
10.21
